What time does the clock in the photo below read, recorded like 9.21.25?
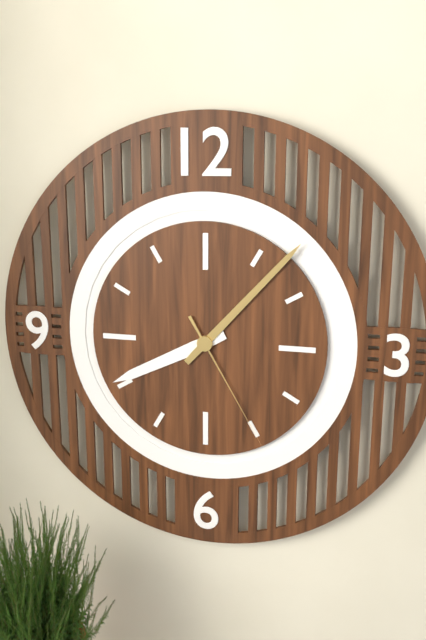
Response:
8.07.25
